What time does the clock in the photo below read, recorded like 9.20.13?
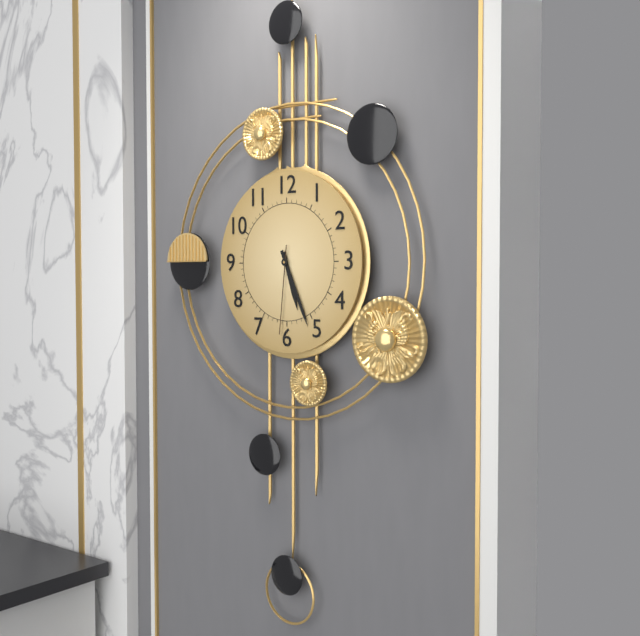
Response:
5.26.31
